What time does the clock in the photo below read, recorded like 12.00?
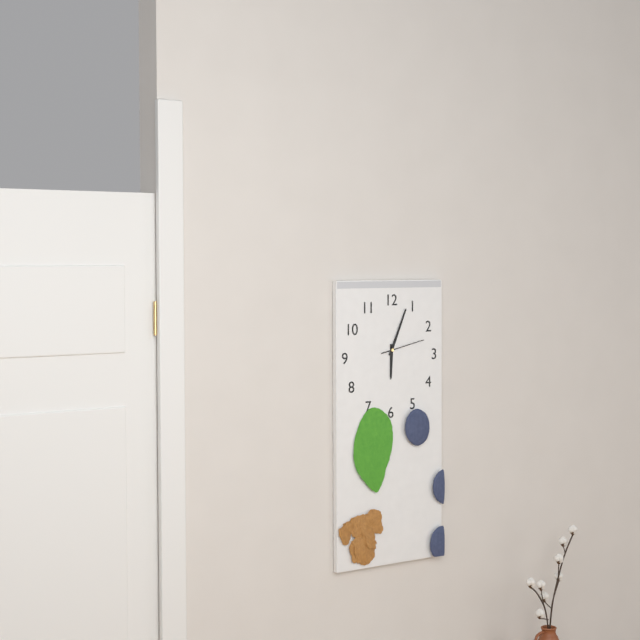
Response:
6.04
